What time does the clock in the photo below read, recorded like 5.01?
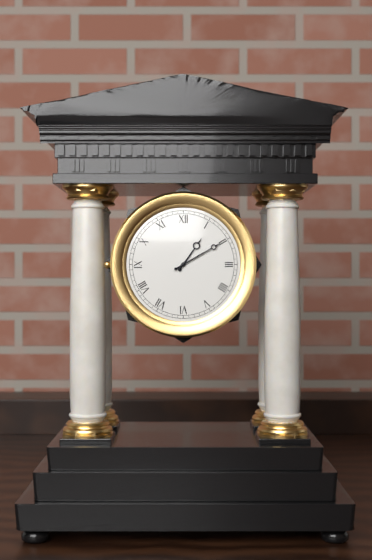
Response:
1.10
